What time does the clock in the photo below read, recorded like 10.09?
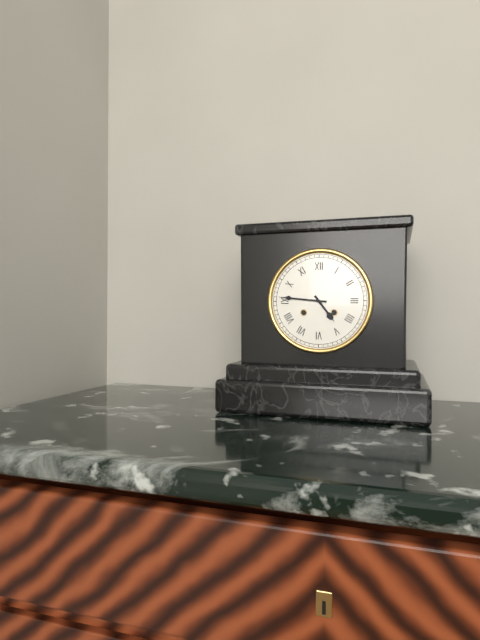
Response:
4.46
